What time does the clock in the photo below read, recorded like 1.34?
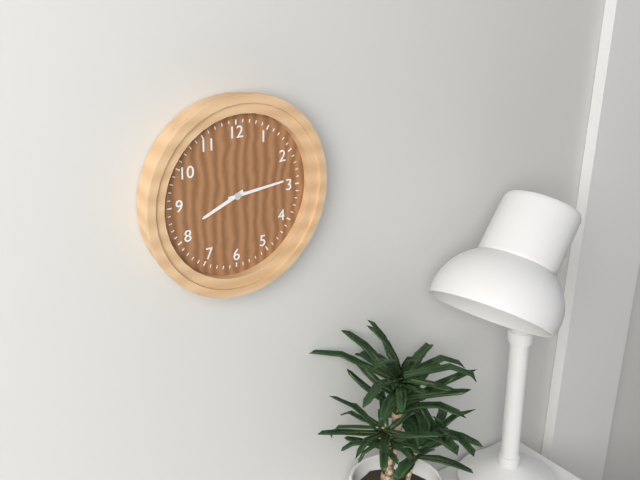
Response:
8.14
